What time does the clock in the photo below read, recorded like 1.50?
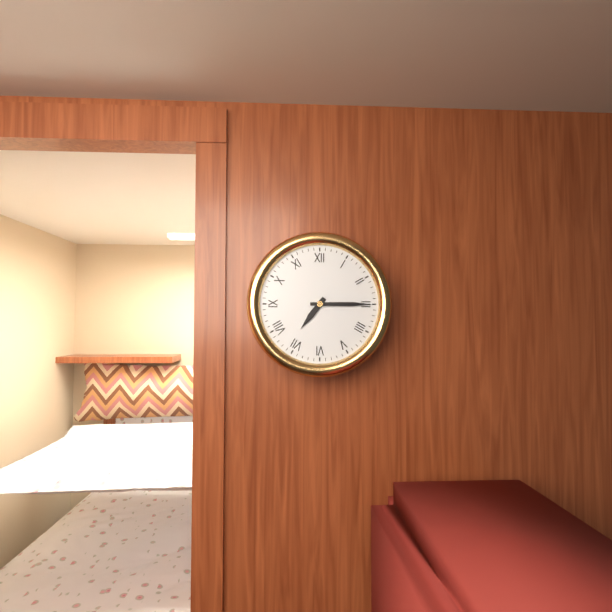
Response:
7.15
